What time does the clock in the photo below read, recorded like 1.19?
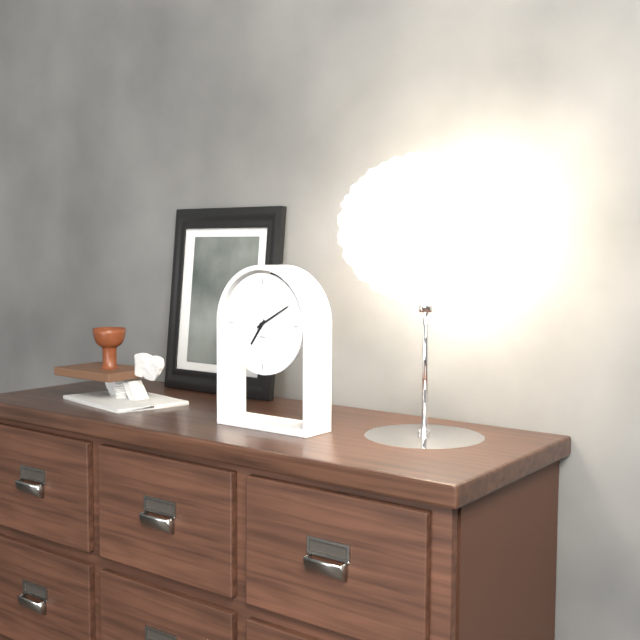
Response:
7.10
